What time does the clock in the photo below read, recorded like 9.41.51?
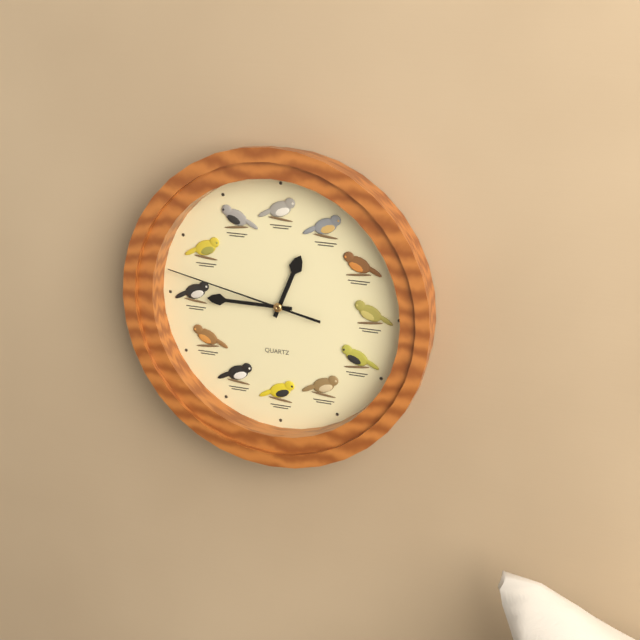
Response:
12.45.47
